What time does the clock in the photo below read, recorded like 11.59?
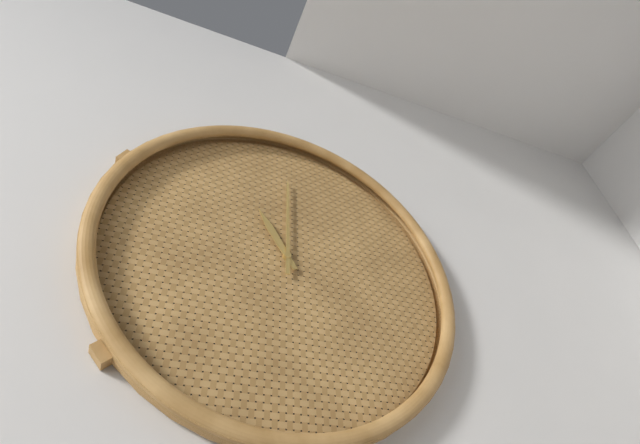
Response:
11.00
